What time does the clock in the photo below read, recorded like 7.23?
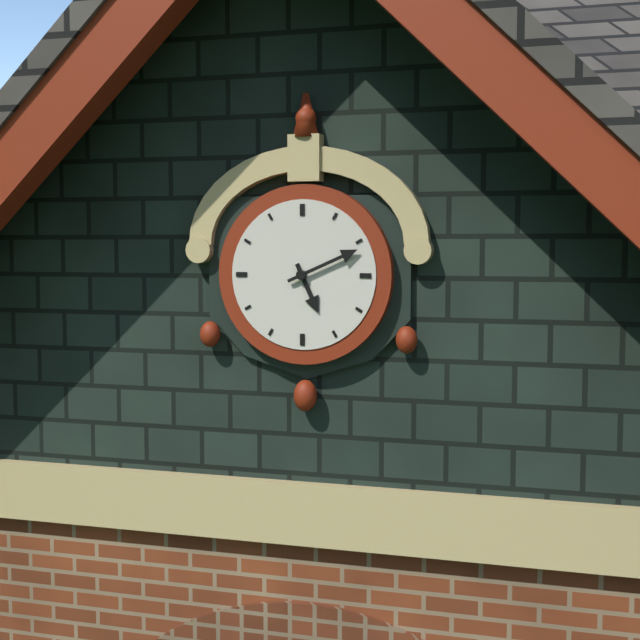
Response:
5.11
